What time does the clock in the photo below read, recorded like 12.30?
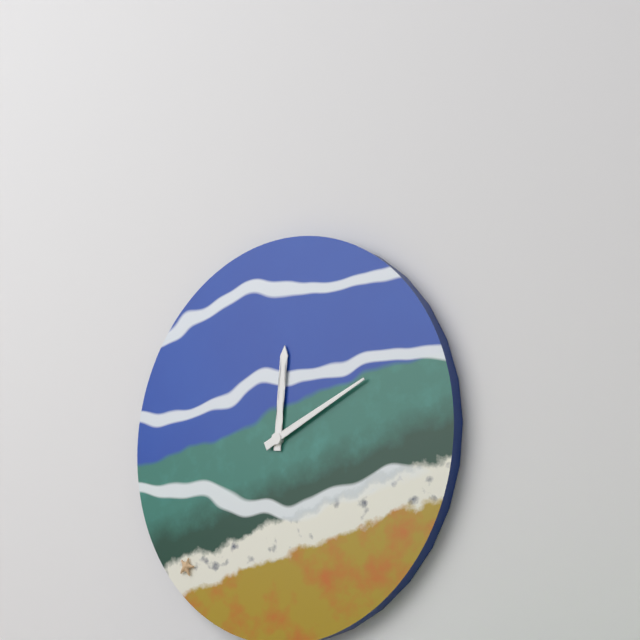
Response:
12.11
